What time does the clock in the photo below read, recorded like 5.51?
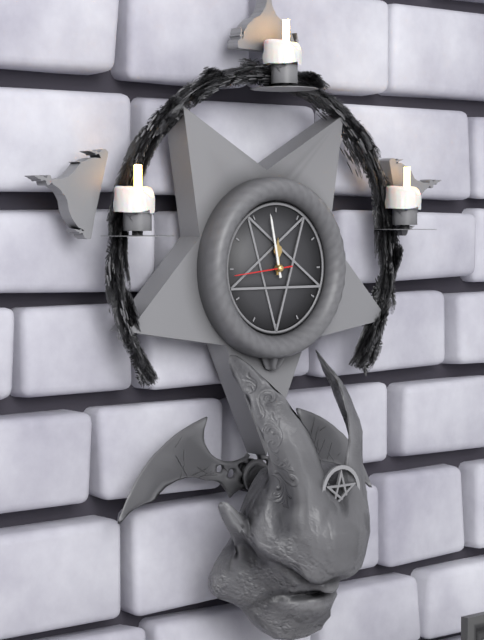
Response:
11.58
